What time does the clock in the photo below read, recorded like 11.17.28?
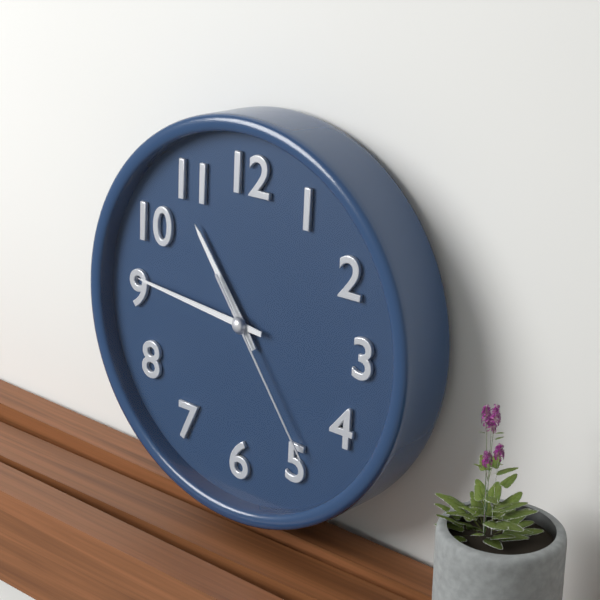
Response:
10.46.24
